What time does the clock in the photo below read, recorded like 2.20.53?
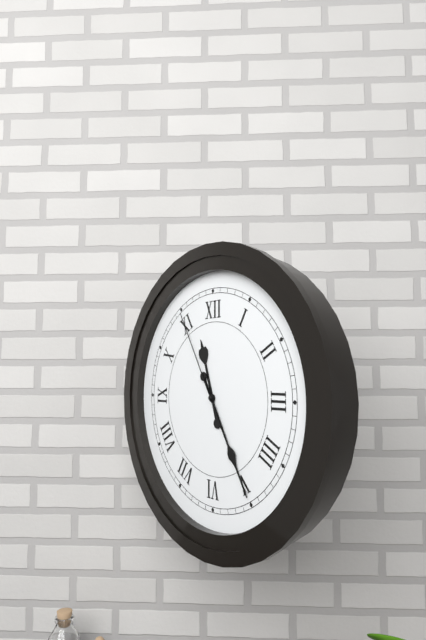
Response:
11.25.55
